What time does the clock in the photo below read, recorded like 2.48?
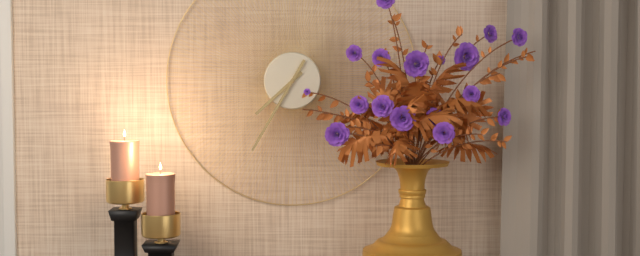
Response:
7.35
